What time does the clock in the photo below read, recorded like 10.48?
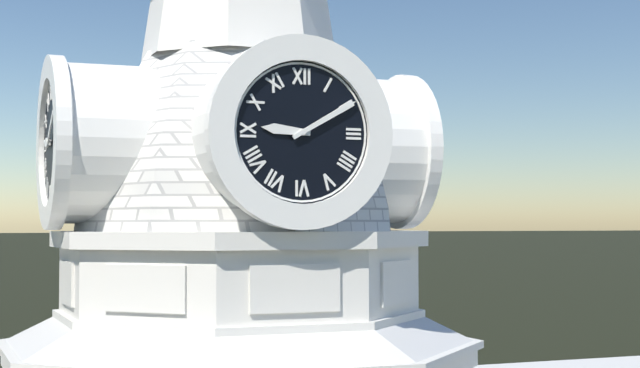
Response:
9.10
